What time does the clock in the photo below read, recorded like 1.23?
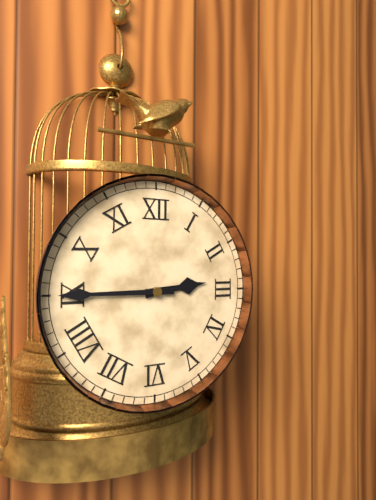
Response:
2.45
